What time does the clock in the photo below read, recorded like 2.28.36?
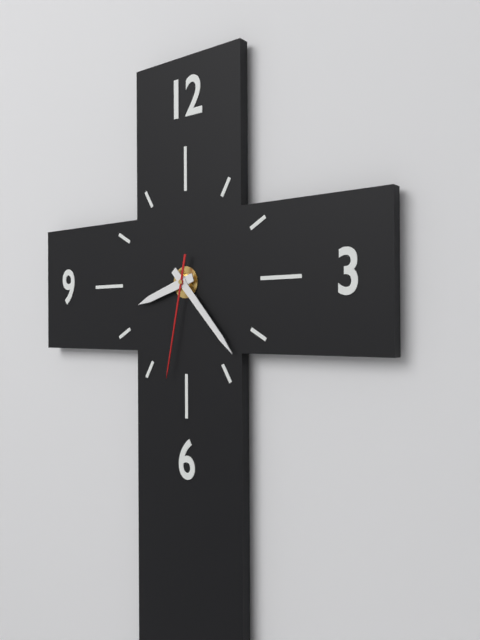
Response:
8.23.32
